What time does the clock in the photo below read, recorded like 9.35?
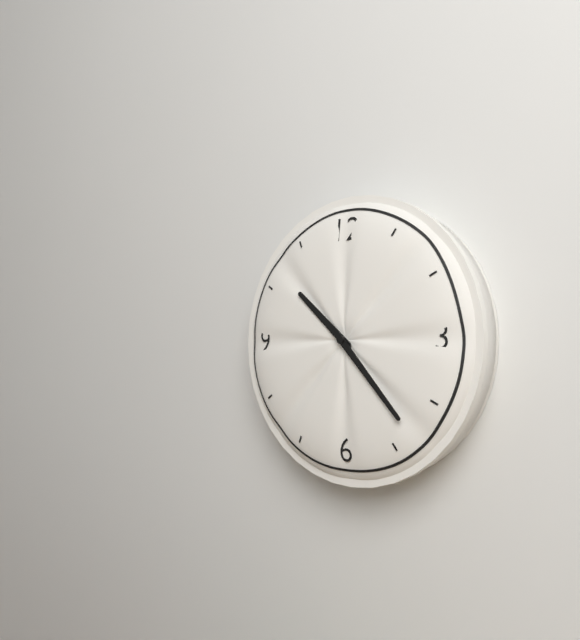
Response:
10.23
